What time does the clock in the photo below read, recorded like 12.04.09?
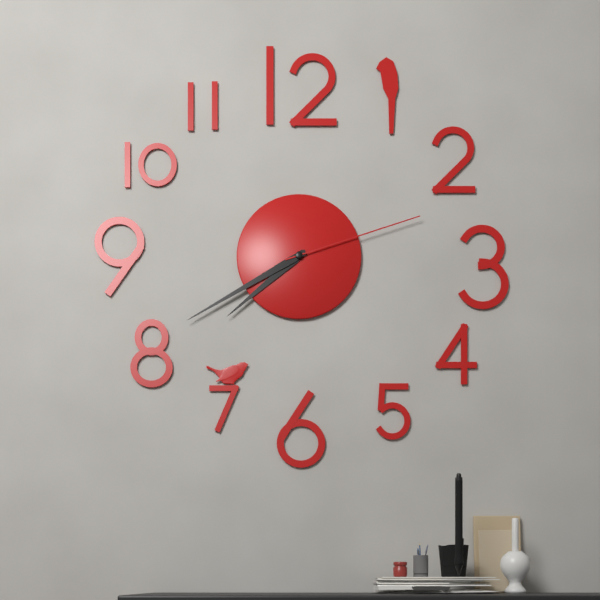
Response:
7.40.12
